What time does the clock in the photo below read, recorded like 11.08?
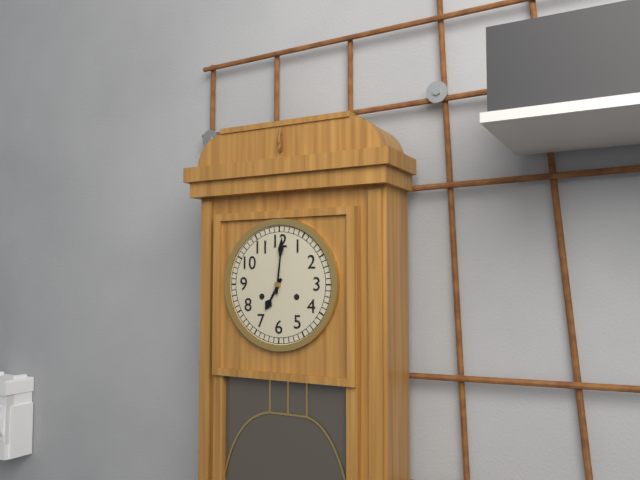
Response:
7.01
